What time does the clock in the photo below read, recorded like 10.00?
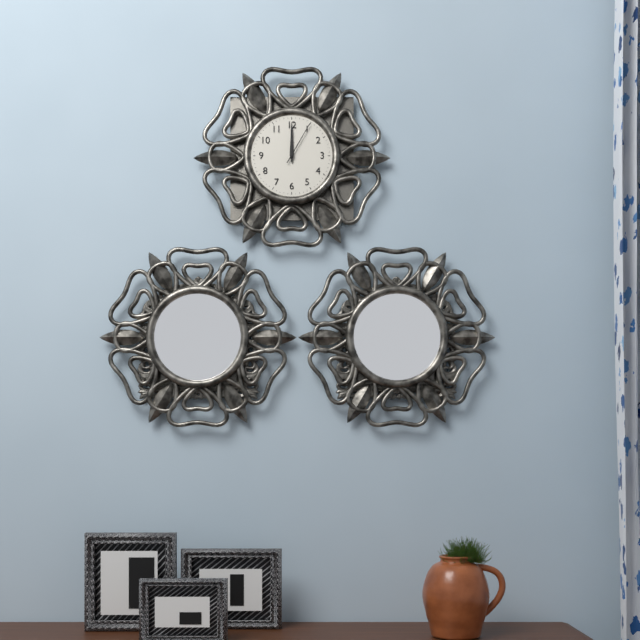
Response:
12.00
